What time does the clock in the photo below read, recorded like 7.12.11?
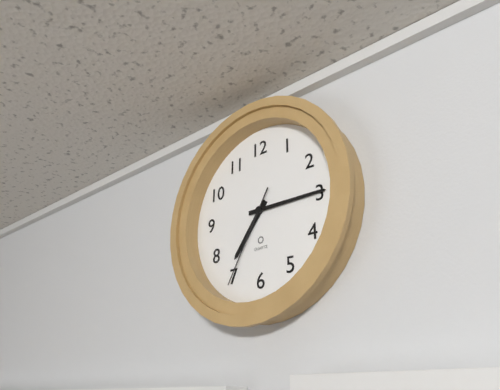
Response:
7.15.35
